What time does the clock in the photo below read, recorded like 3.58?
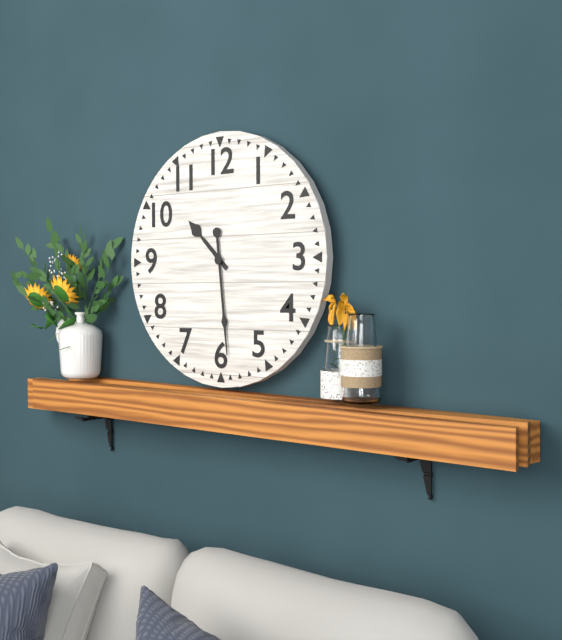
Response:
10.29
